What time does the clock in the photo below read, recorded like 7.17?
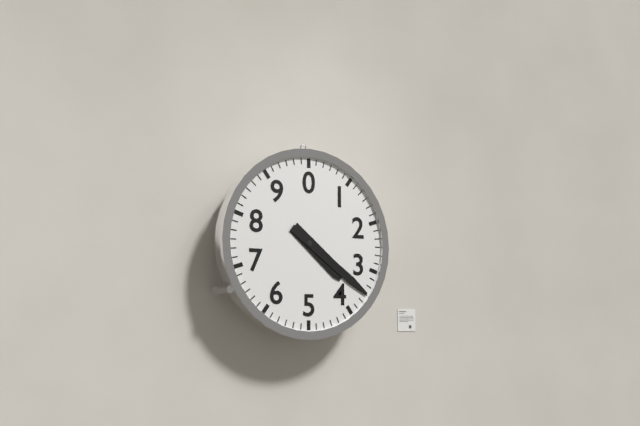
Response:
4.21
